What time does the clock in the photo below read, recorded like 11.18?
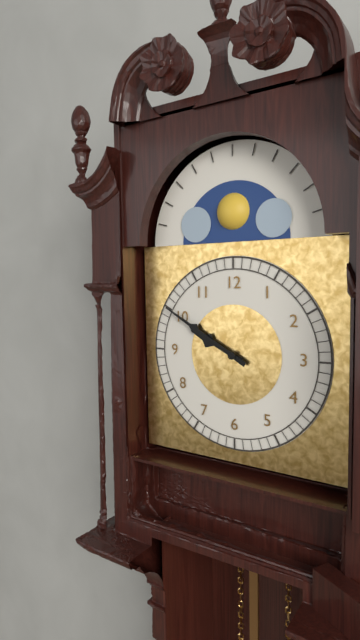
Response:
9.50
